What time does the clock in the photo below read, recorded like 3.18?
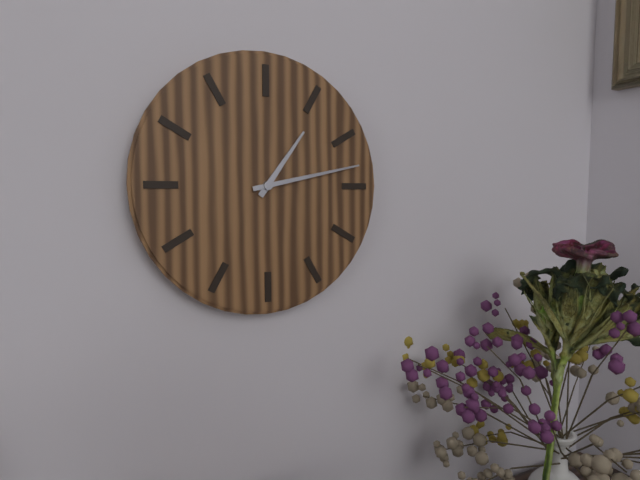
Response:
1.13
